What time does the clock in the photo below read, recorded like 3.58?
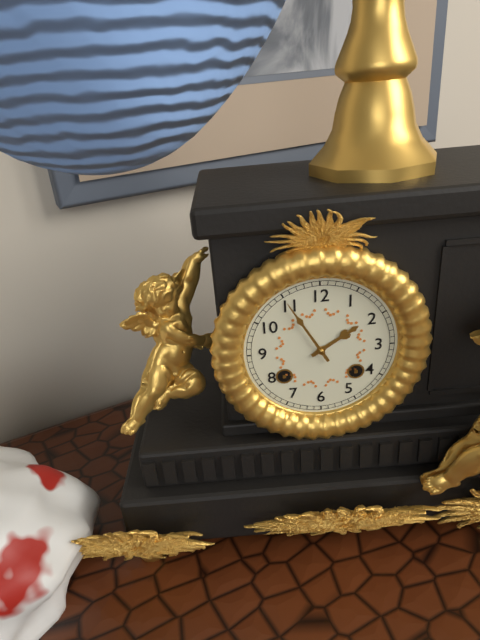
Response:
1.55
